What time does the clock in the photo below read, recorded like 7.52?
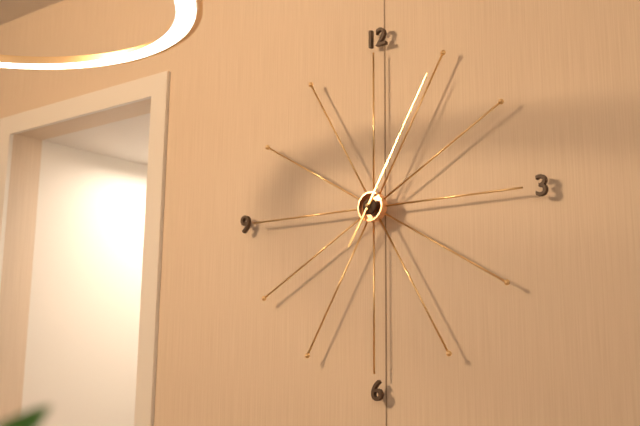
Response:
7.05
